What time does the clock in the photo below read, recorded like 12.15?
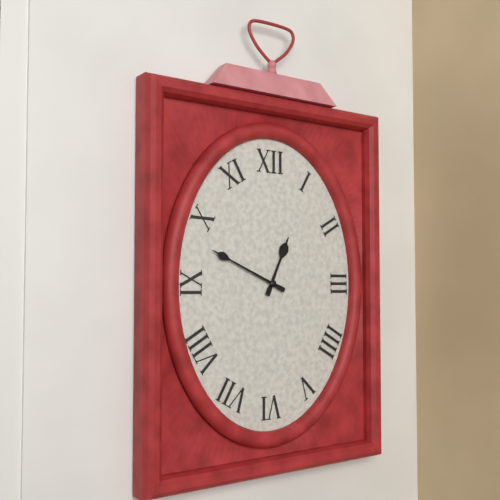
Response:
12.49
